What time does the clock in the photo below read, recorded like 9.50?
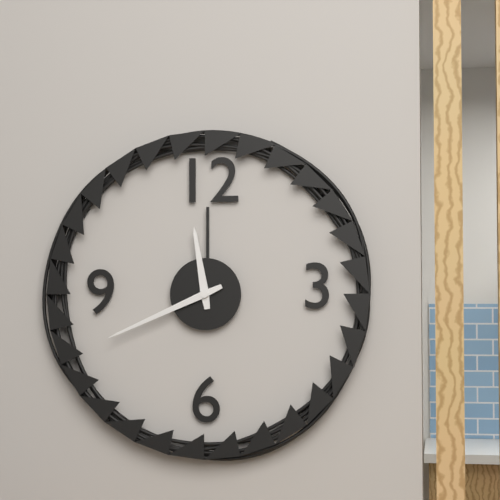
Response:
11.41
